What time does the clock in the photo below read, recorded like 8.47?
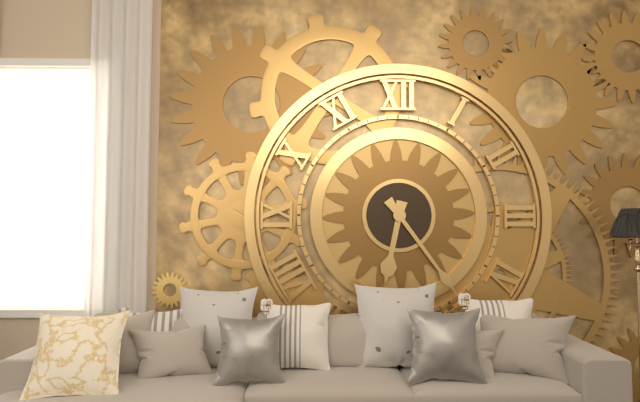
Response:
6.24
